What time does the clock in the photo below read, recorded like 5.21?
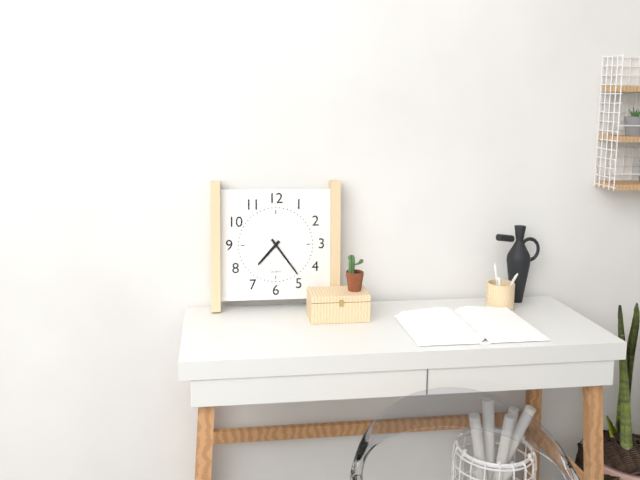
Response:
7.24
